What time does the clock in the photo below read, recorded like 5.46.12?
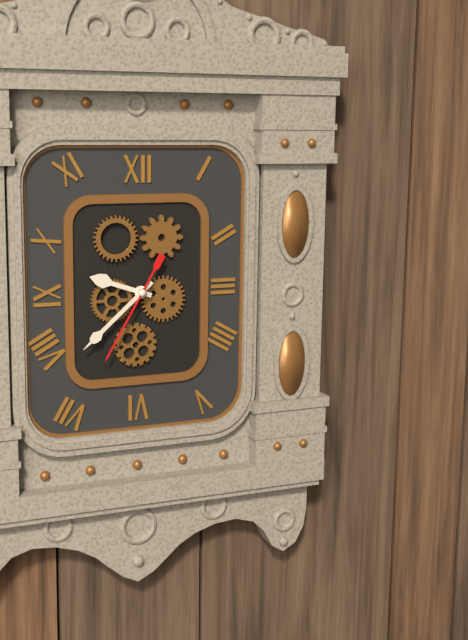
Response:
9.38.35
